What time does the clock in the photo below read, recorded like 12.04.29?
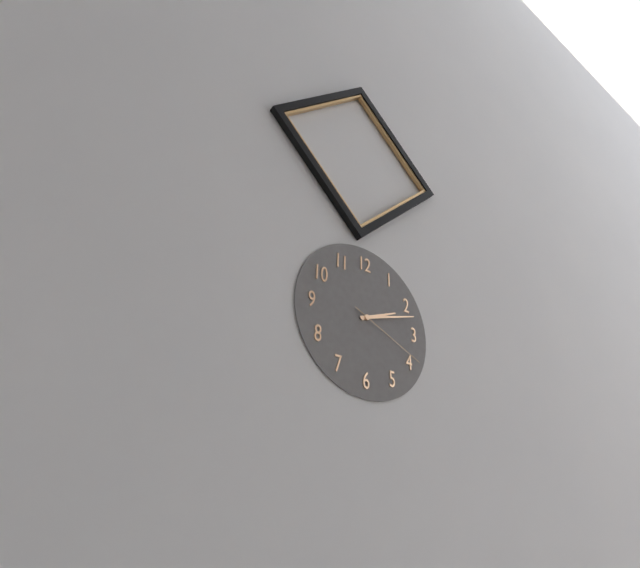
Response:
2.12.19
